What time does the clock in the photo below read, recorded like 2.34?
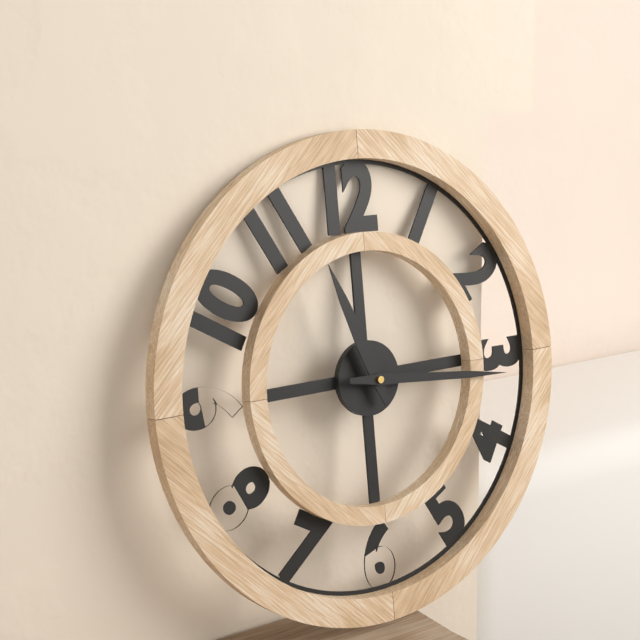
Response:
11.16
